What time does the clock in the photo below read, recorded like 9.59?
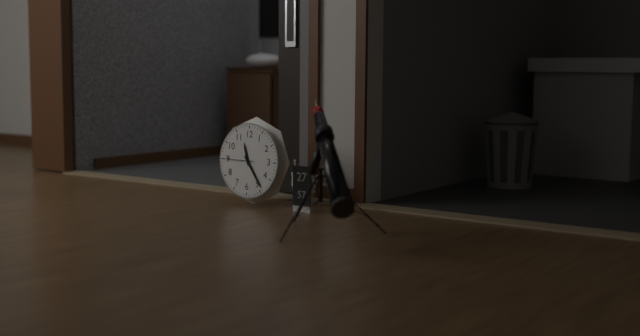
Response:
11.24
